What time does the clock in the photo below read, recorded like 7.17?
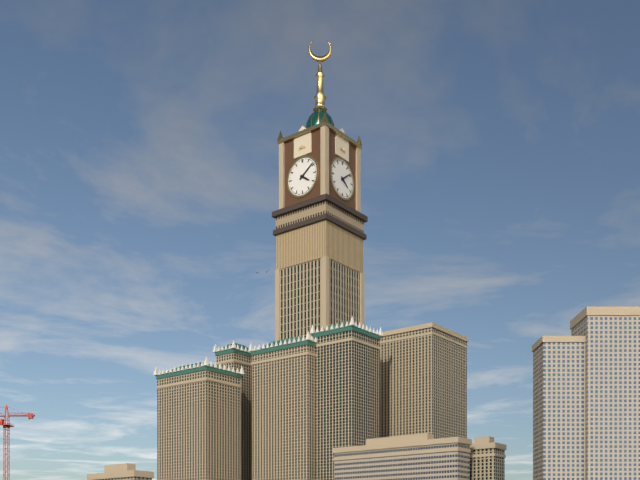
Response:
4.09
